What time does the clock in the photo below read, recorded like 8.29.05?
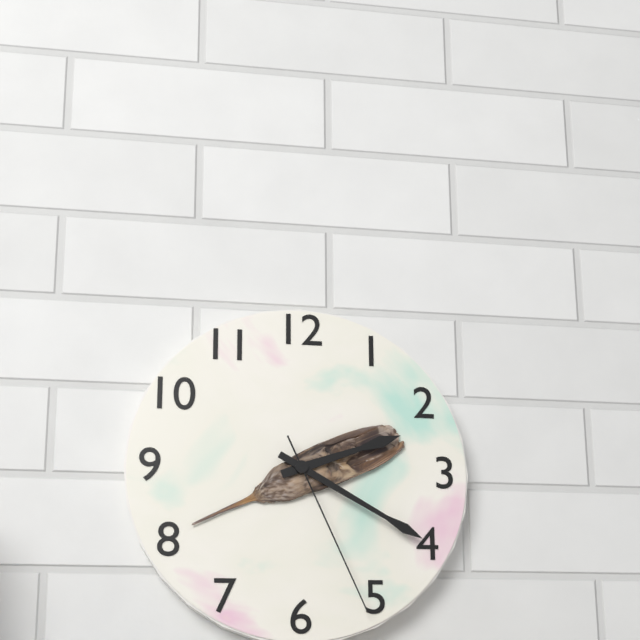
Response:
2.20.26
